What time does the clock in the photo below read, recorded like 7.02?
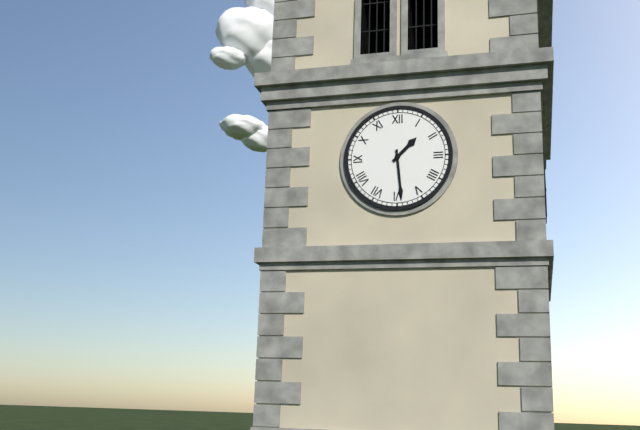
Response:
1.29
